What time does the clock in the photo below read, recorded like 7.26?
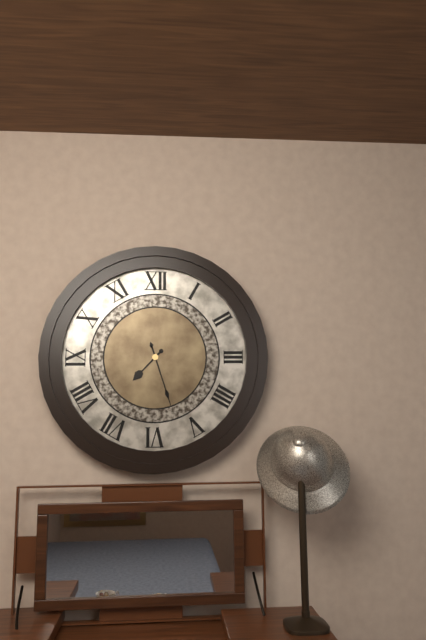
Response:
7.27
